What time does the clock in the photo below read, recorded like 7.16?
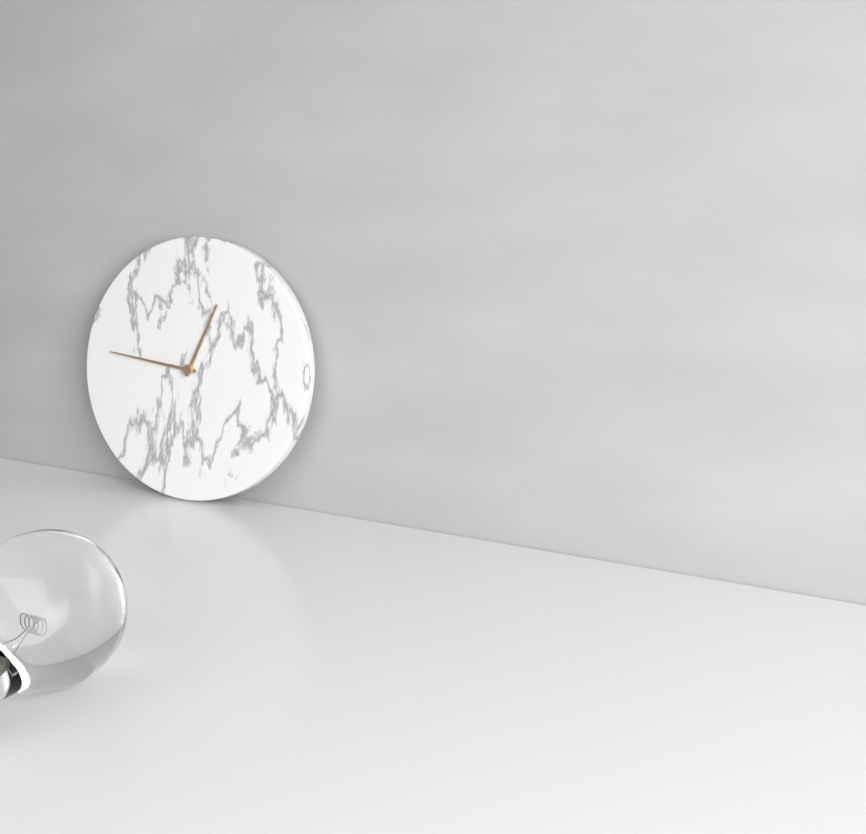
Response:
12.46
